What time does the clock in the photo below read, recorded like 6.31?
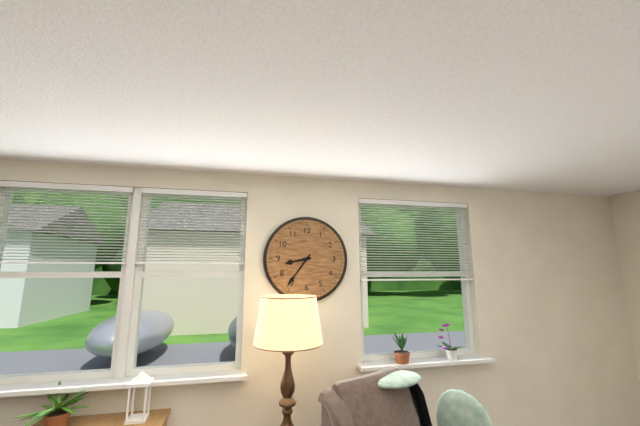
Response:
8.36
